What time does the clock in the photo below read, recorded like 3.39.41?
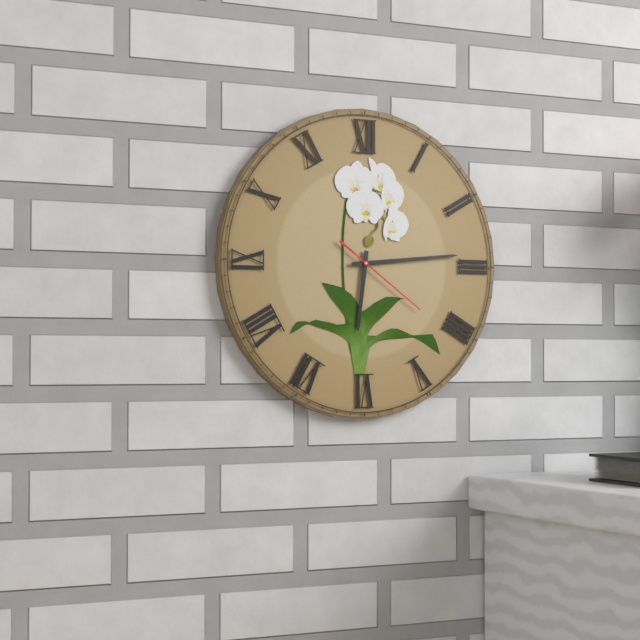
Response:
6.14.21
